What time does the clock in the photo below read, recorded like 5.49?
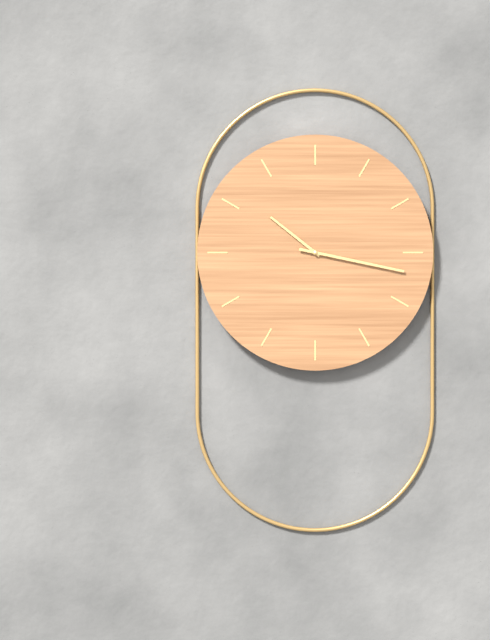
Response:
10.17
